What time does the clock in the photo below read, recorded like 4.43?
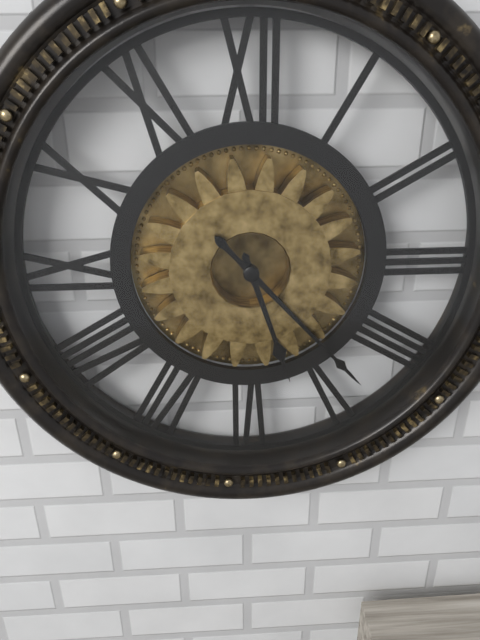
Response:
5.23
